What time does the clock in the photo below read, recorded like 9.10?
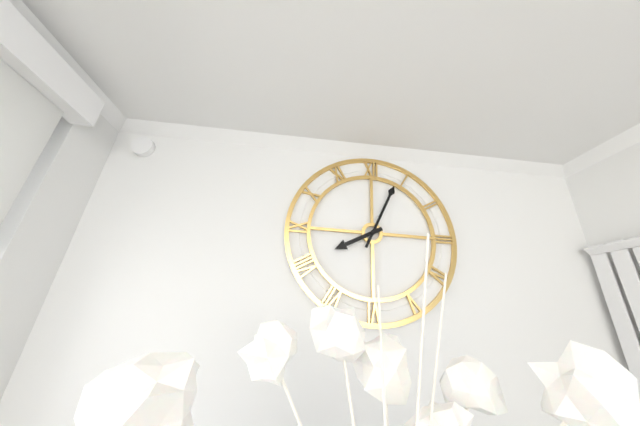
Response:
8.04
